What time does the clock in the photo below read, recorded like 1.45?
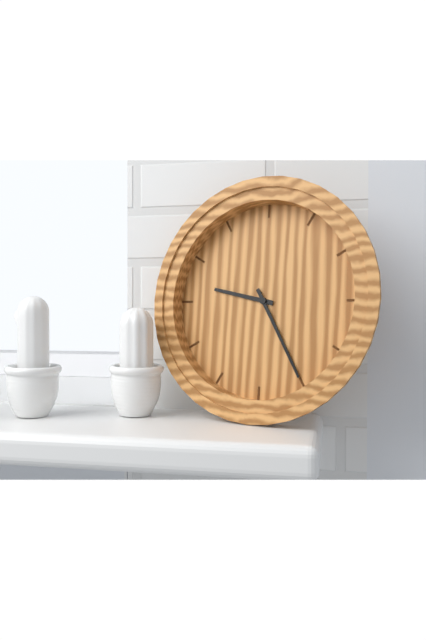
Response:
9.25
